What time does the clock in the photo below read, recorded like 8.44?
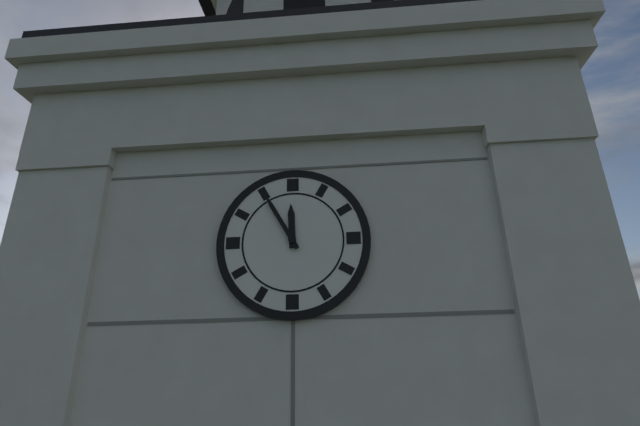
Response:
11.55
